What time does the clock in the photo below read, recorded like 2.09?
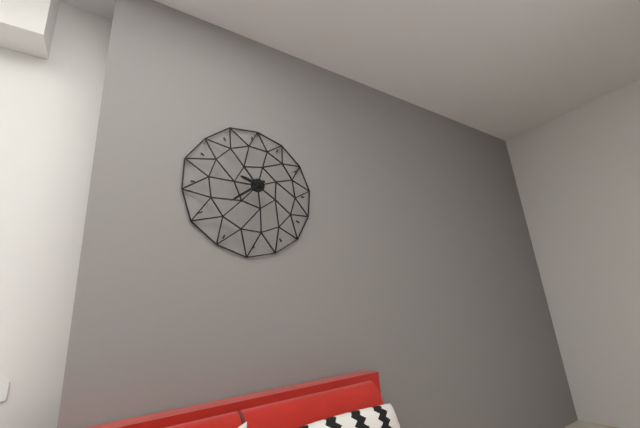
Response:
9.39
